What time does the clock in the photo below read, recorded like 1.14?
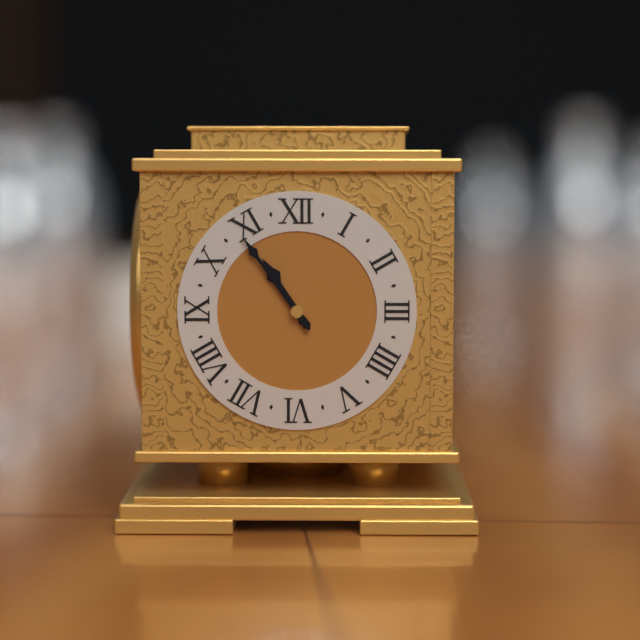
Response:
10.54
